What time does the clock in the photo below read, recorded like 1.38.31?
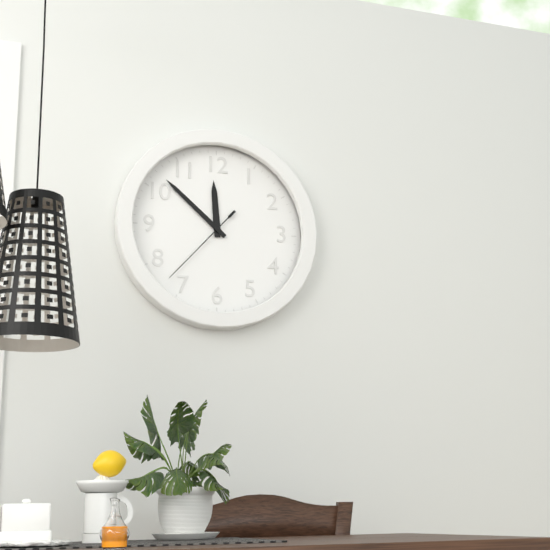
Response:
11.52.37
